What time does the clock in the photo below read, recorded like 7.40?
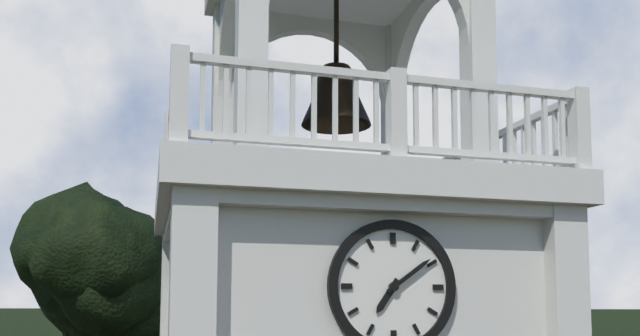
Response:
7.09
